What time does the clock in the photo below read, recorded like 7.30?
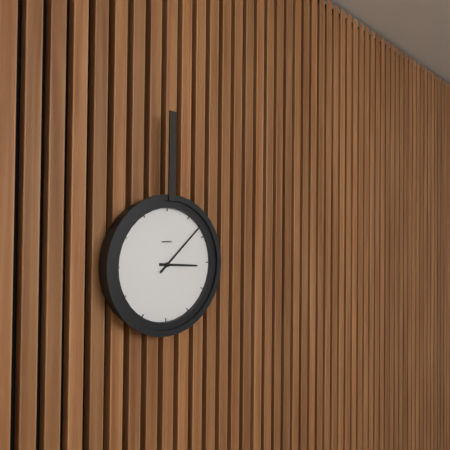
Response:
3.08
